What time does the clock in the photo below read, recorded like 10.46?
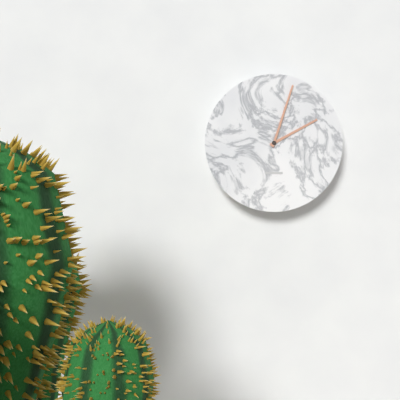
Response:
2.03
